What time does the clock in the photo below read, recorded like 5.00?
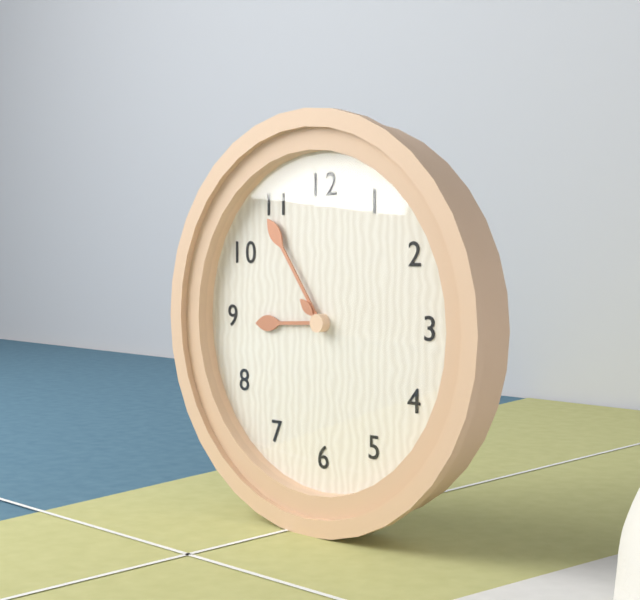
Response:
8.54
